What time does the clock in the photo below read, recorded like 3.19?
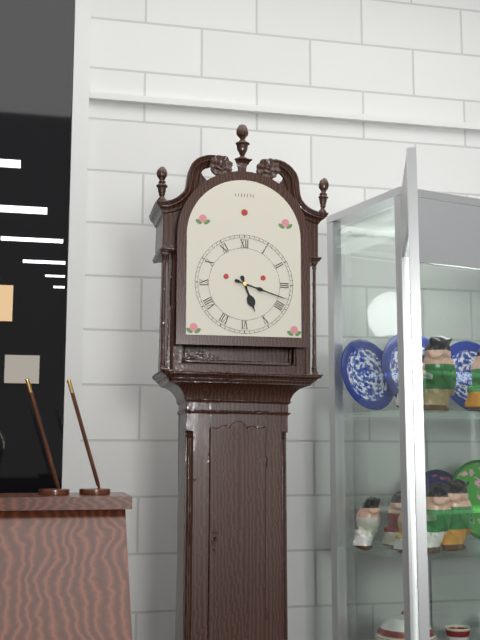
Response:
5.18
